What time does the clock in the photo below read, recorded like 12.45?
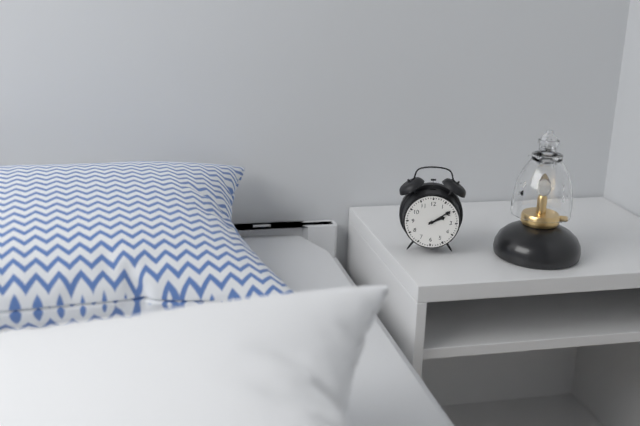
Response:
2.09
